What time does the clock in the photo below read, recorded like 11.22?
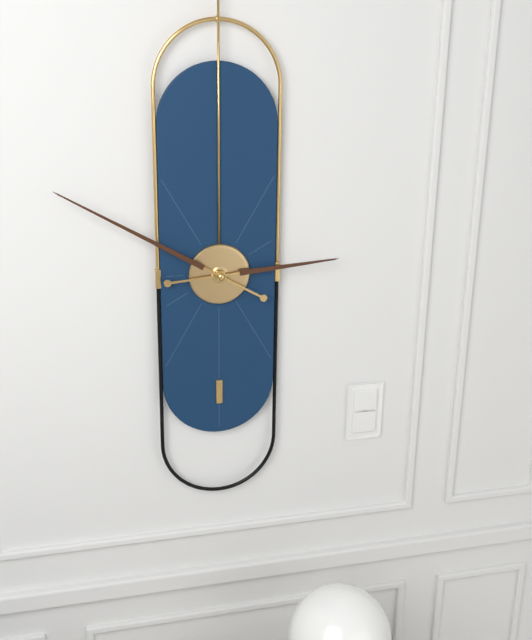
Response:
2.50
